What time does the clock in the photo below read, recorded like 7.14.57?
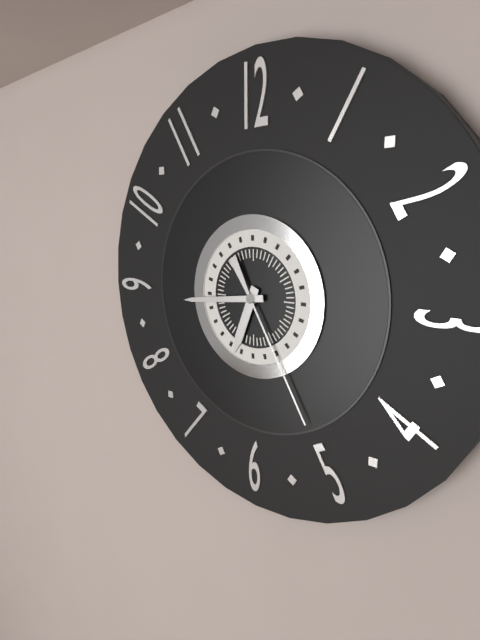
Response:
6.44.25
